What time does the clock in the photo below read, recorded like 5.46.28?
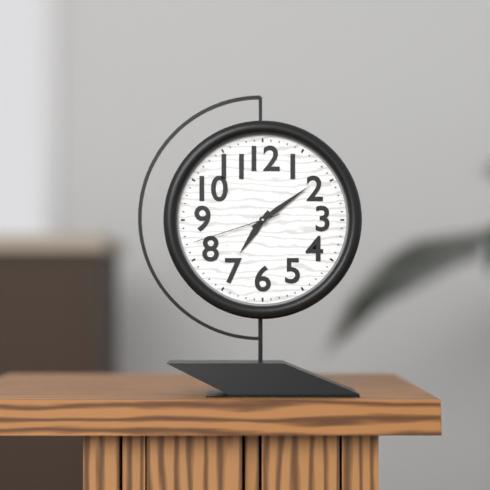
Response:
7.09.42
